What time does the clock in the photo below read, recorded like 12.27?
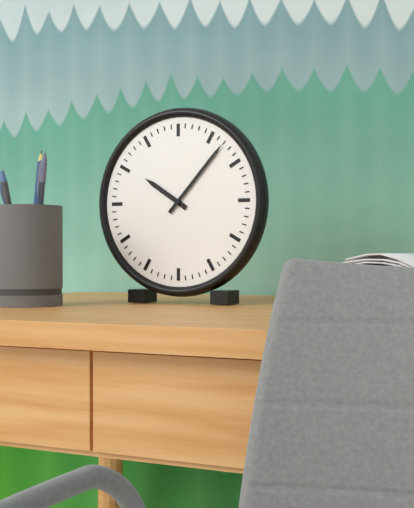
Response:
10.07
